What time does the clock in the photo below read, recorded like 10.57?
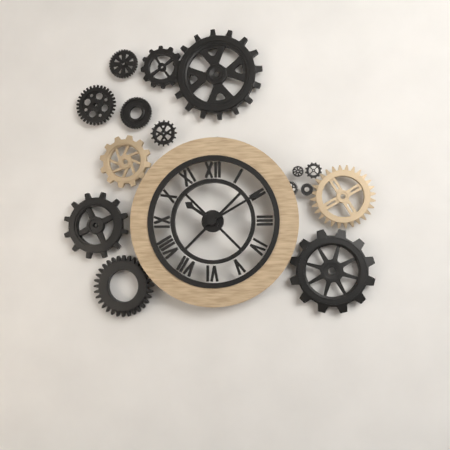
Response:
10.10
